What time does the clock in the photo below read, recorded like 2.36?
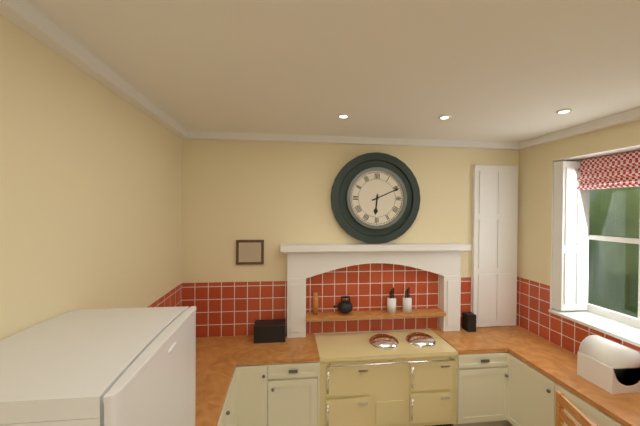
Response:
6.11
